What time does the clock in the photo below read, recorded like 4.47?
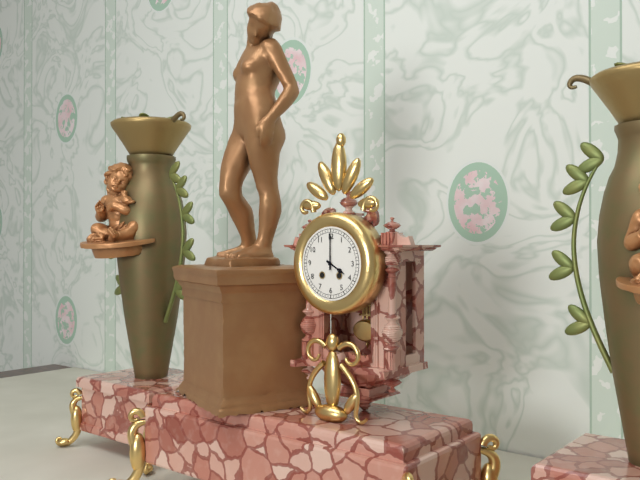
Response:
4.00
